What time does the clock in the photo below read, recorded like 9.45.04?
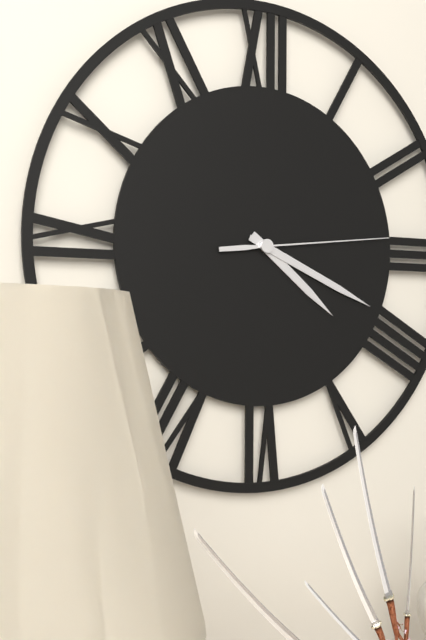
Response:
4.19.14
